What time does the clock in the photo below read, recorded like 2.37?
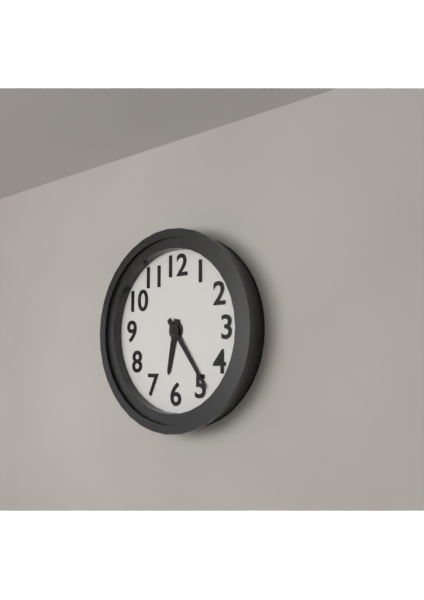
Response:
6.24
